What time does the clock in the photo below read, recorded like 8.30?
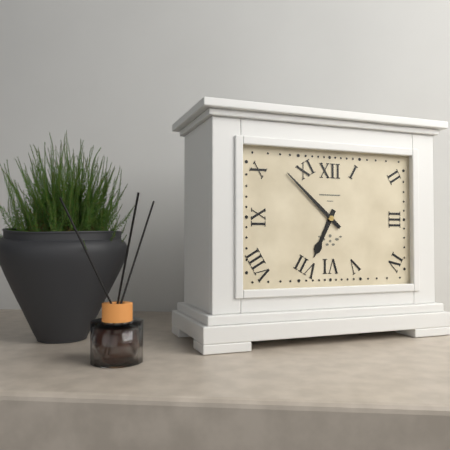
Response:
6.52
